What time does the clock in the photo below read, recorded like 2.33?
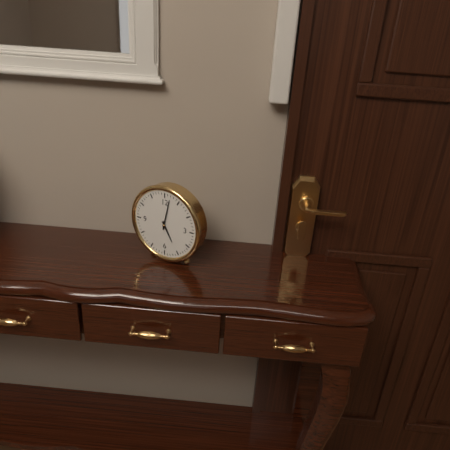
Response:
5.02
